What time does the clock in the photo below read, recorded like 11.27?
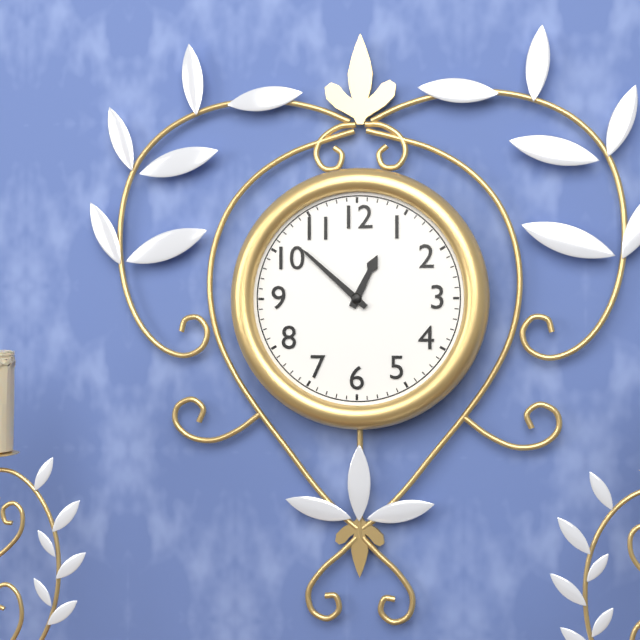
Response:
12.52
